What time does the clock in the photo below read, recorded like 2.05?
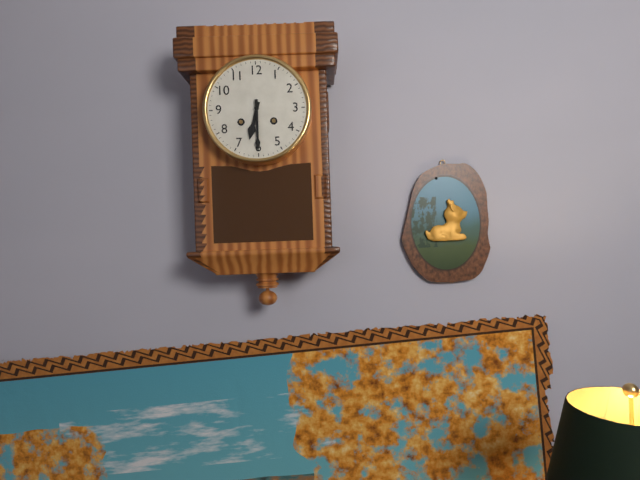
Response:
6.30
